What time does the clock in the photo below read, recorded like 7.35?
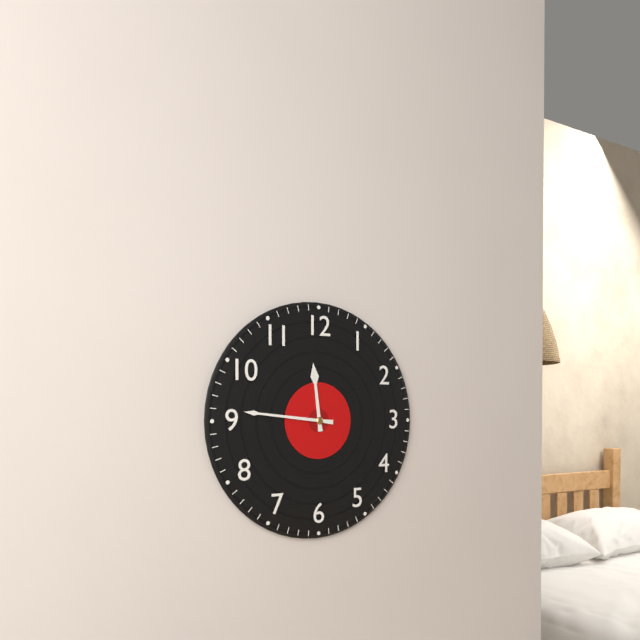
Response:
11.46
